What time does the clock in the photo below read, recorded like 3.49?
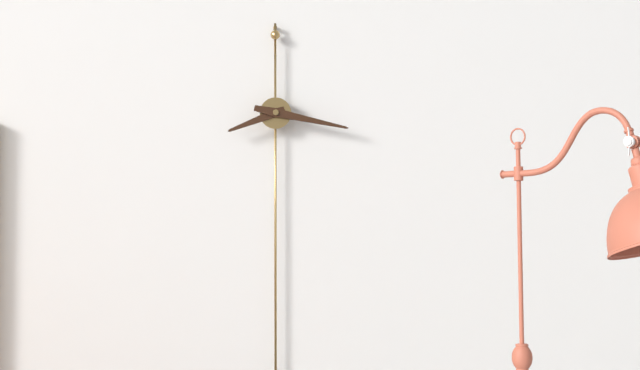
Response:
8.17
